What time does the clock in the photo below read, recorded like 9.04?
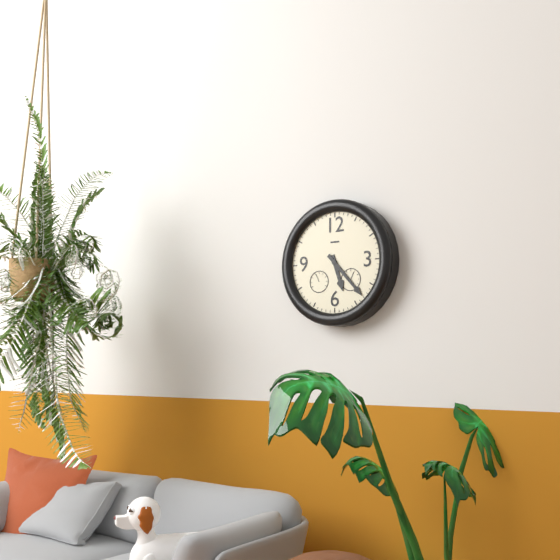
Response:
5.23
